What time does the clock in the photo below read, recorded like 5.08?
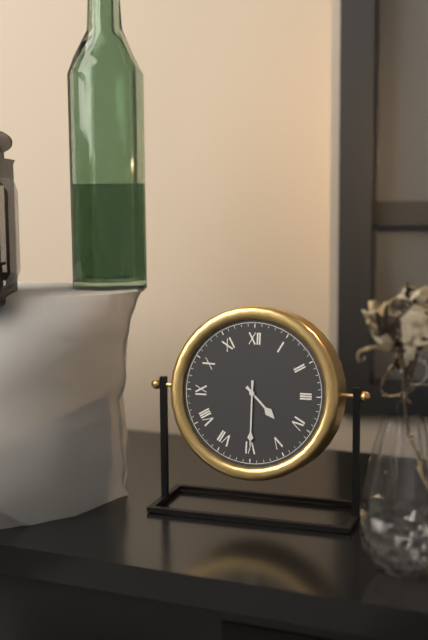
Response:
4.30
